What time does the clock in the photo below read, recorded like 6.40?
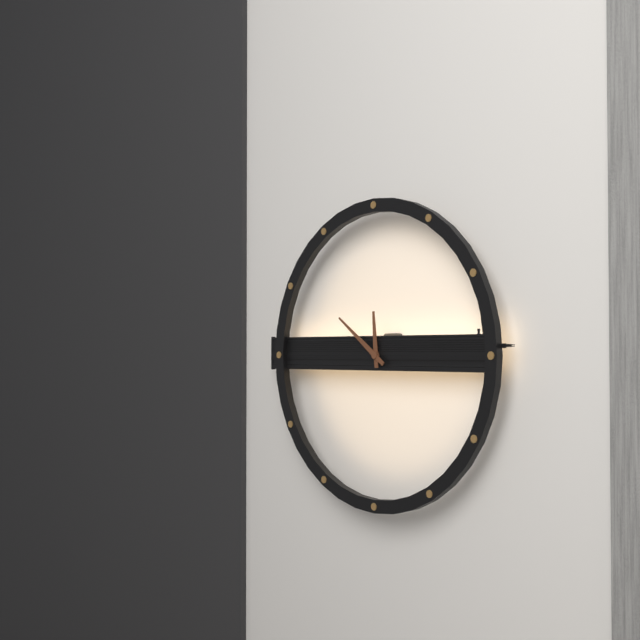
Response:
11.51
